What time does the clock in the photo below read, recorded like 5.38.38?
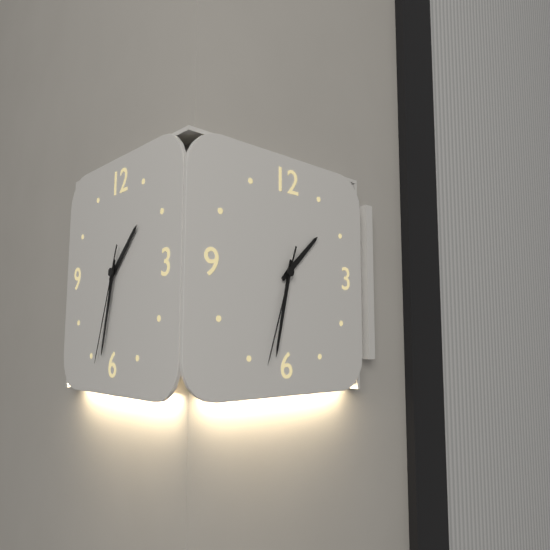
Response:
1.32.33
